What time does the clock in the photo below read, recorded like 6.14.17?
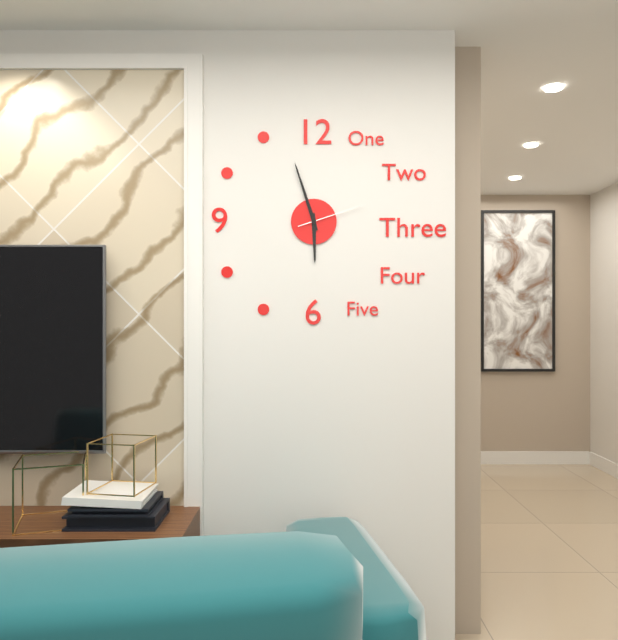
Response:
5.57.12
